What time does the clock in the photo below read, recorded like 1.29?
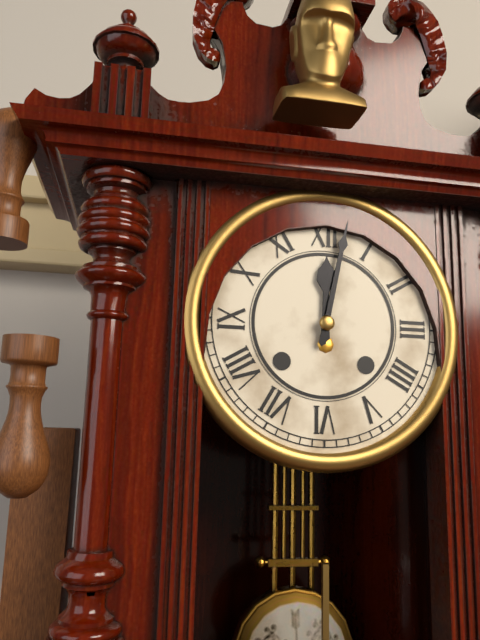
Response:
12.02
